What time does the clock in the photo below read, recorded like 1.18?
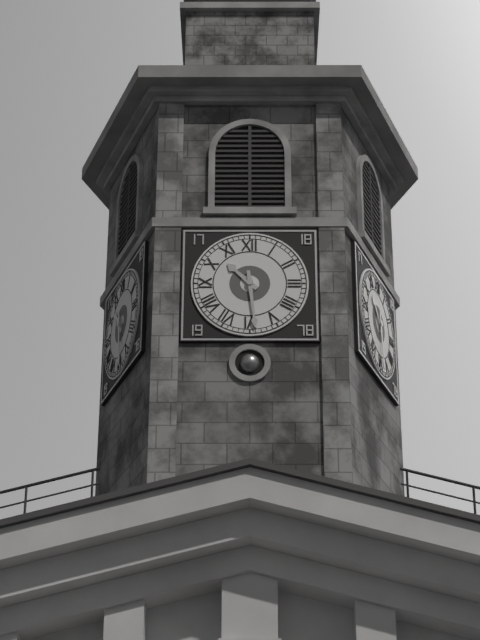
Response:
10.29
